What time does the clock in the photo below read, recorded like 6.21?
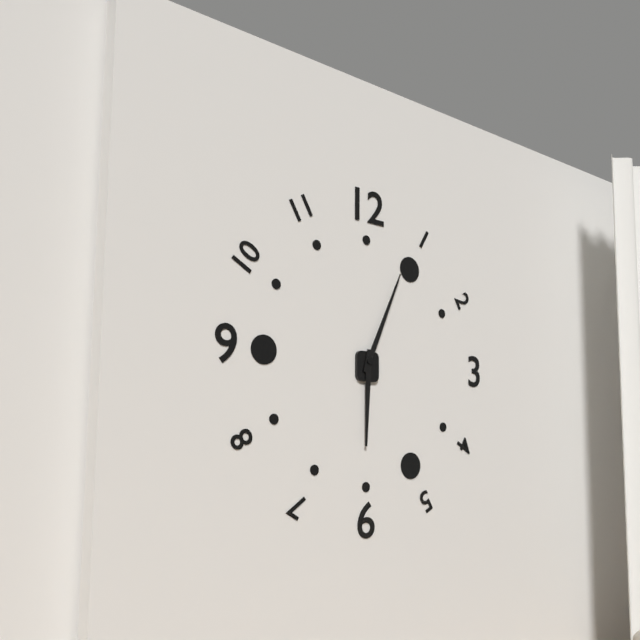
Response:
6.04
